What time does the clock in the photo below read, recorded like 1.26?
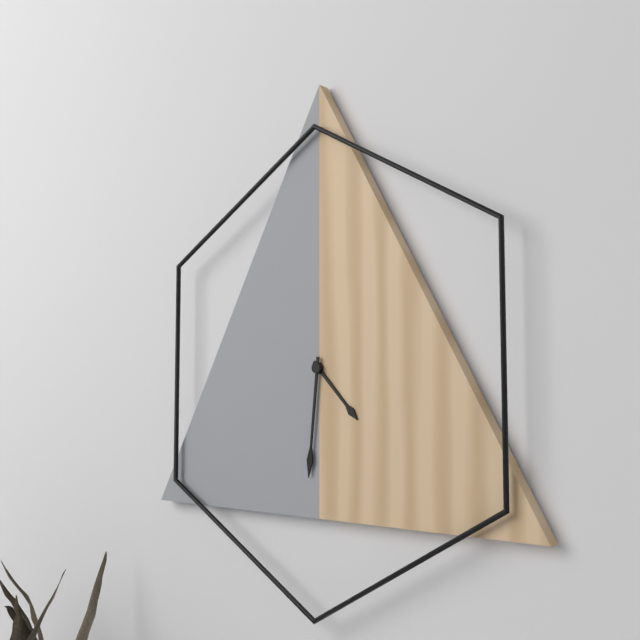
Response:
4.31
